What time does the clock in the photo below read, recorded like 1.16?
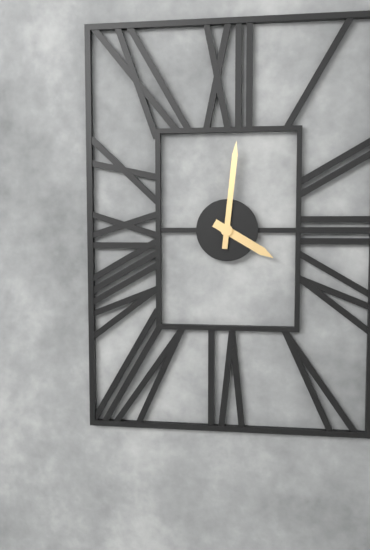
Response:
4.01
